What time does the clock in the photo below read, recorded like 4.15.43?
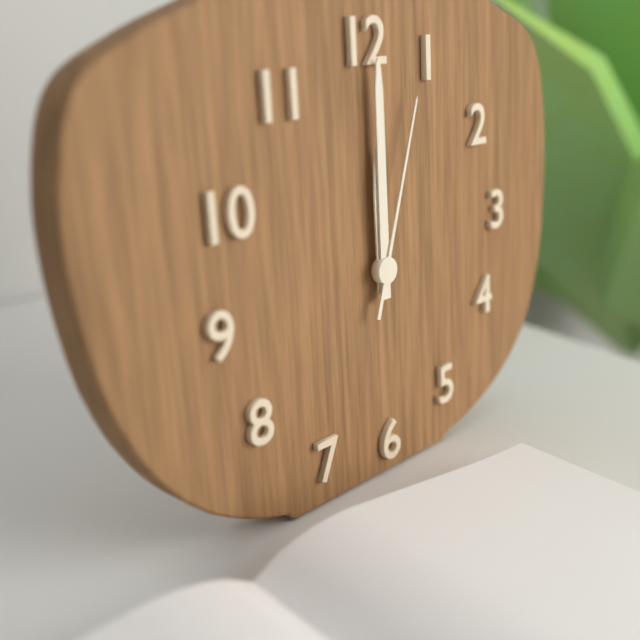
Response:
12.00.03
